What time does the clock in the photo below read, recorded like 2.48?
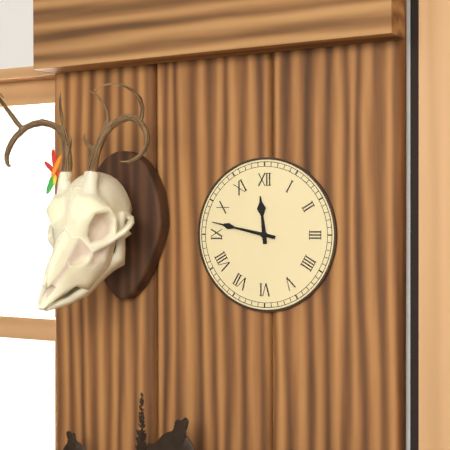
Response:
11.47
